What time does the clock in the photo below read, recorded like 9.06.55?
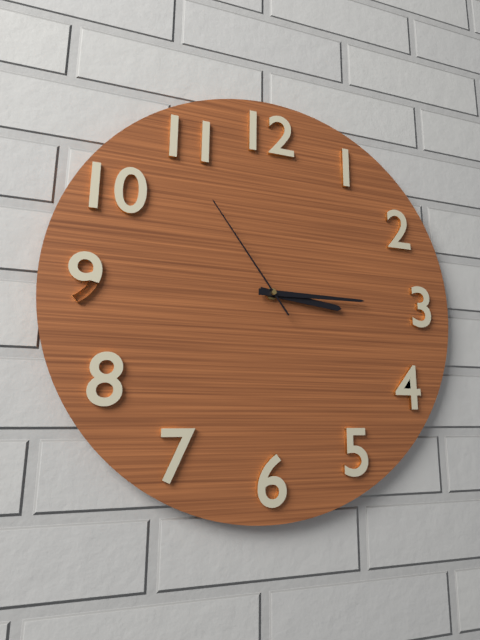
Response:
3.15.54
